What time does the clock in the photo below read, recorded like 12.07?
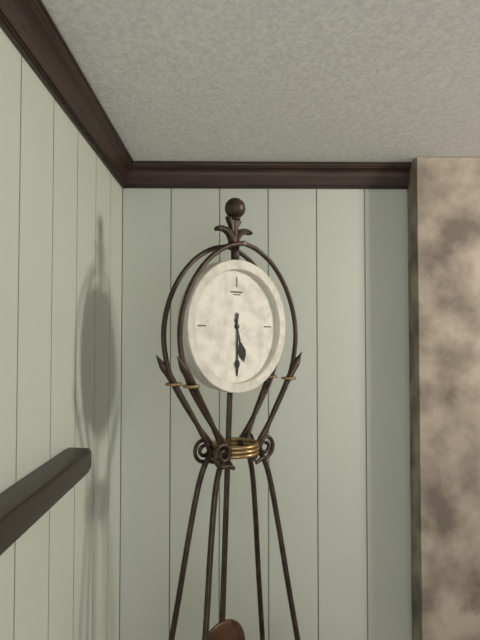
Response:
5.30
